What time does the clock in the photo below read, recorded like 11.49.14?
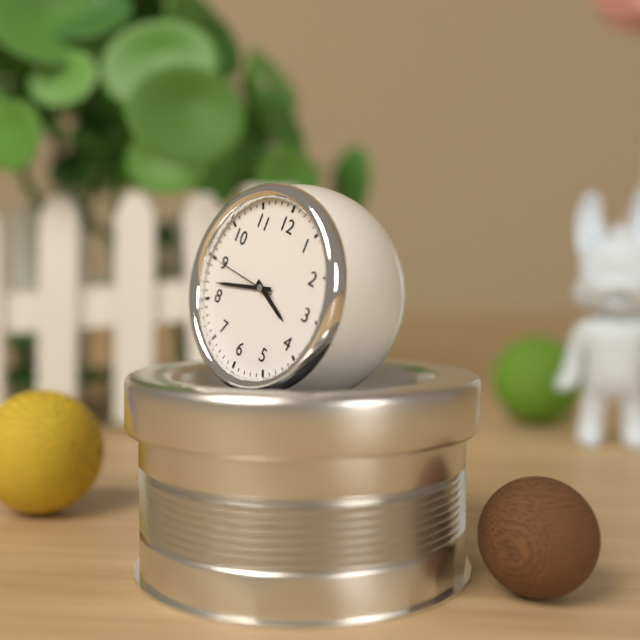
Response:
3.42.45
